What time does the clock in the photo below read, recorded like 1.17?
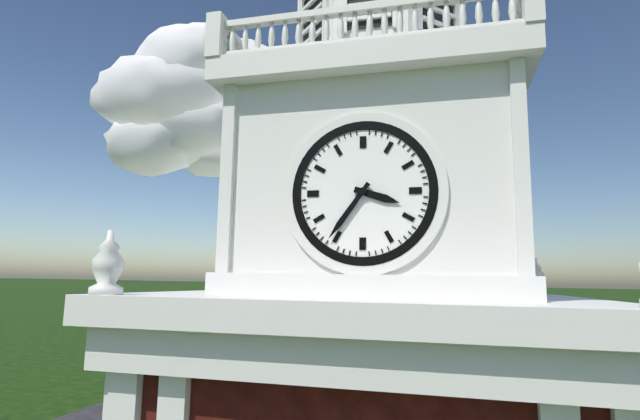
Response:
3.36
